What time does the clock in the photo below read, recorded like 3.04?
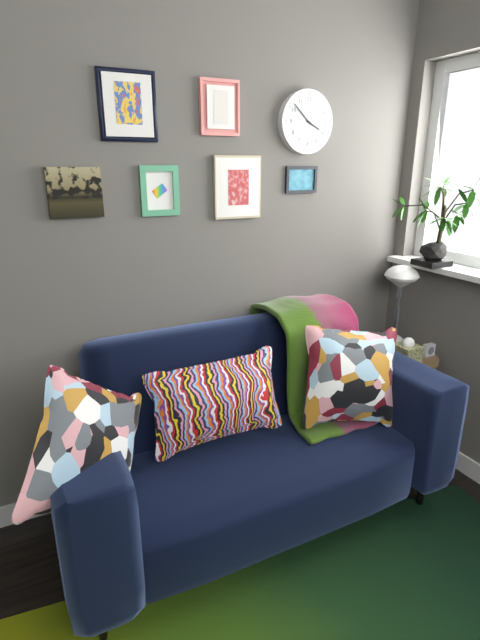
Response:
3.52
